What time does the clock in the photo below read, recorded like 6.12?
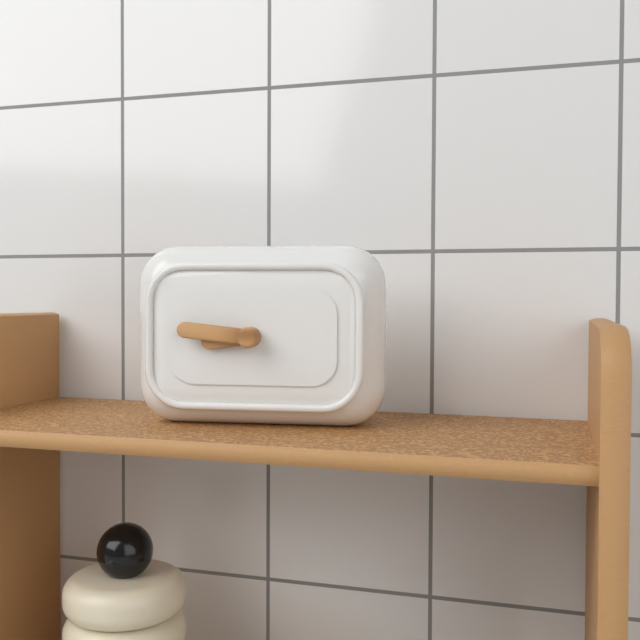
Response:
8.46
